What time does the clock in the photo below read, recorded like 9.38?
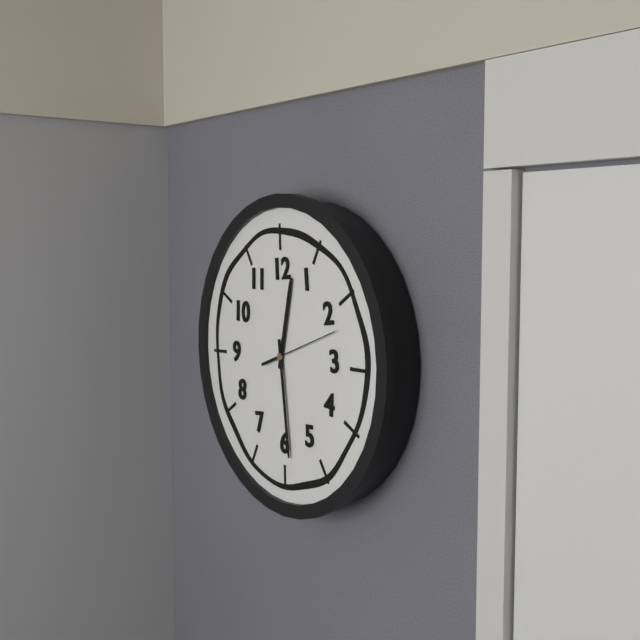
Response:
12.29
